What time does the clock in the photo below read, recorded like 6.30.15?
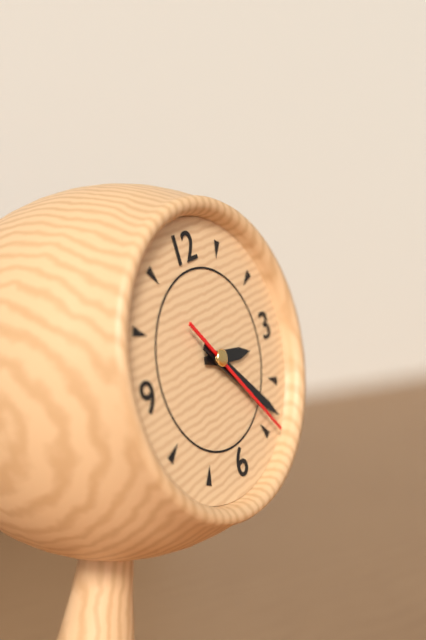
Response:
3.23.24
